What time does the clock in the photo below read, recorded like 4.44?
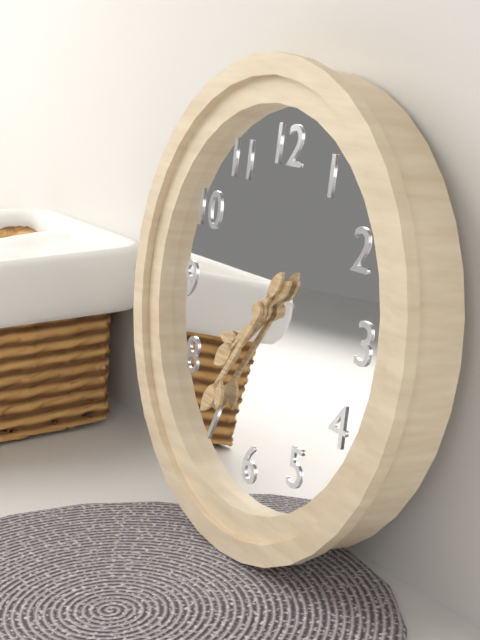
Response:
7.36
